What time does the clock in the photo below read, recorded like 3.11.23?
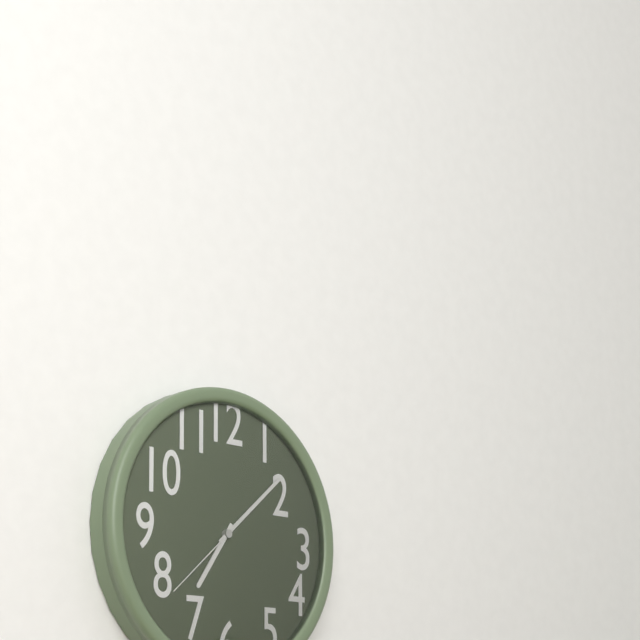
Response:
7.08.38
